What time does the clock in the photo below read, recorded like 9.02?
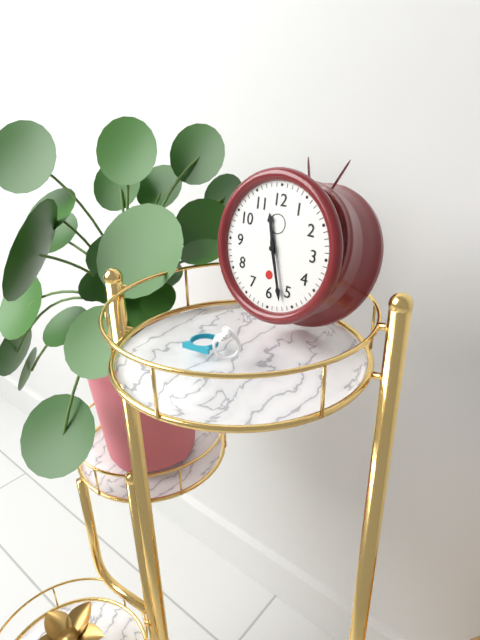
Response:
11.27
